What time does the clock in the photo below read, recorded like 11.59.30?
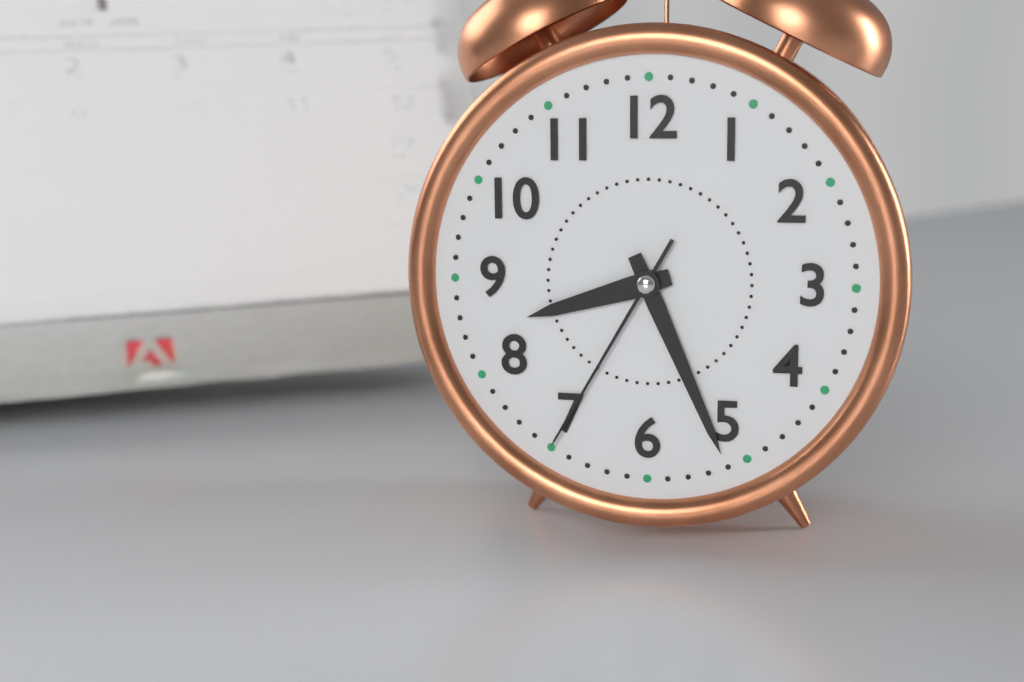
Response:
8.26.35
